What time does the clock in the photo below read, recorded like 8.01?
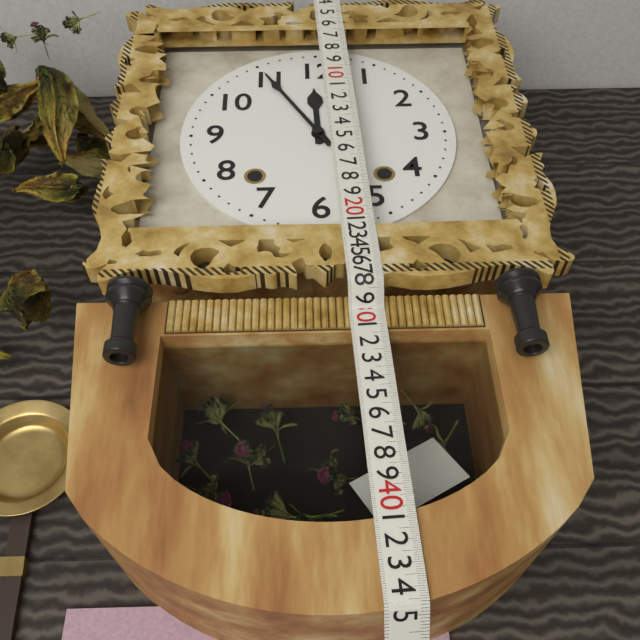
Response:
11.55
